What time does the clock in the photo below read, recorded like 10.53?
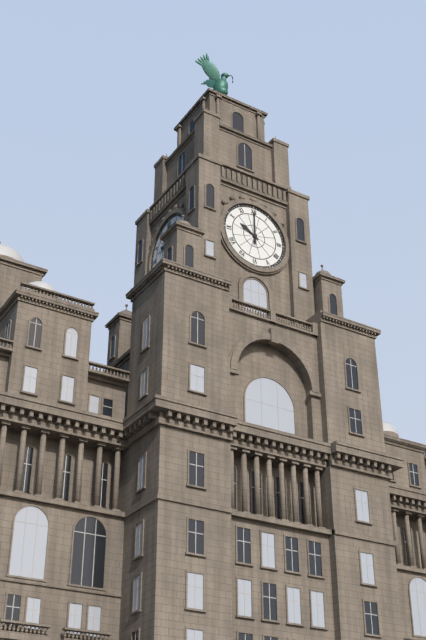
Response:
10.00
